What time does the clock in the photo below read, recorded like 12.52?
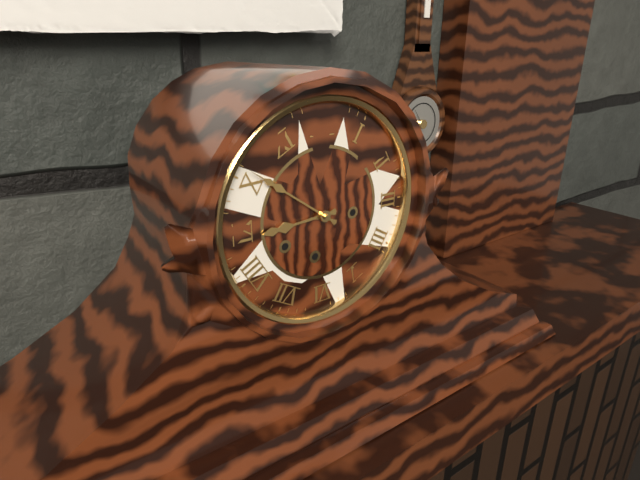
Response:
8.51
